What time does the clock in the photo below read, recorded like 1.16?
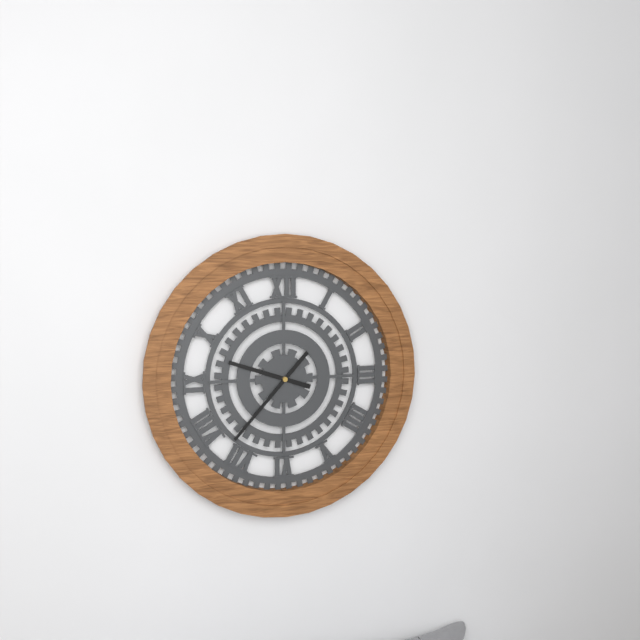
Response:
9.37
